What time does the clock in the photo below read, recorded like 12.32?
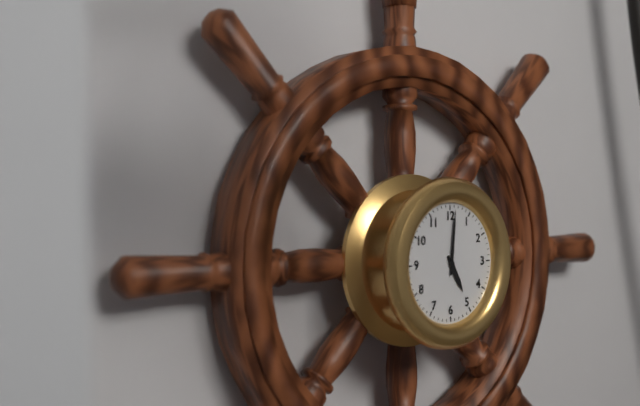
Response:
5.01
